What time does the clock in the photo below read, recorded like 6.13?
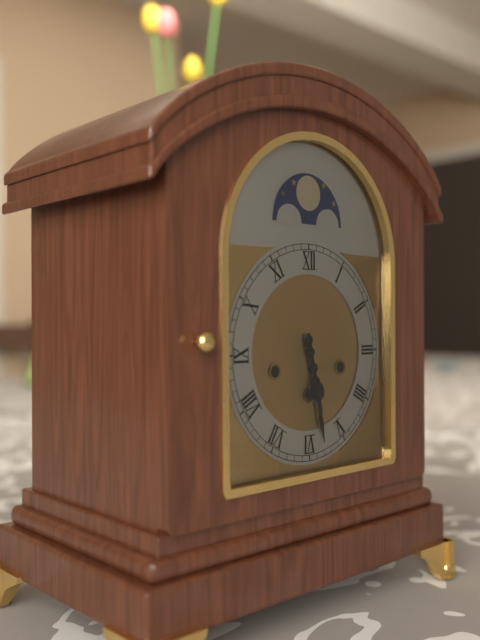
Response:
5.28
